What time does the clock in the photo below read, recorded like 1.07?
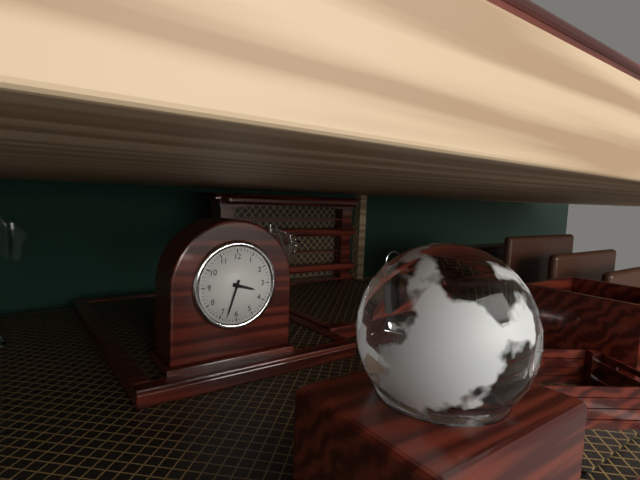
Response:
3.33
